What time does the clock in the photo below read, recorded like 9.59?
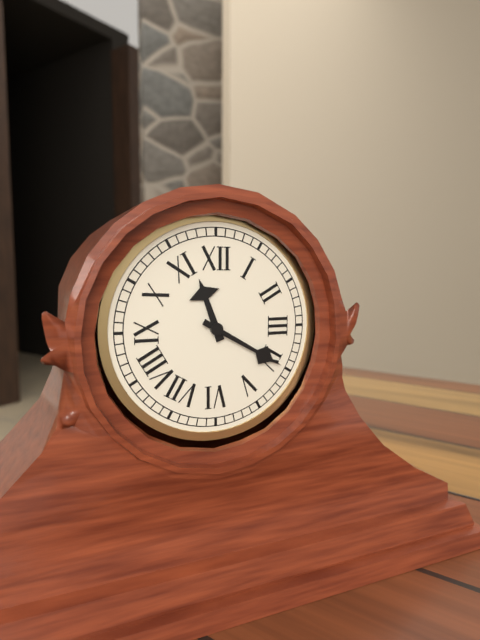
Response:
11.20
